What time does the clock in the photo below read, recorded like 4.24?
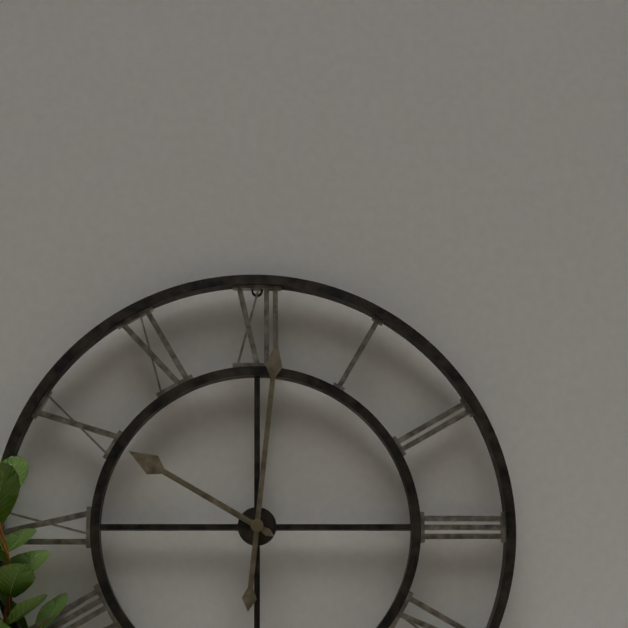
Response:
10.01
